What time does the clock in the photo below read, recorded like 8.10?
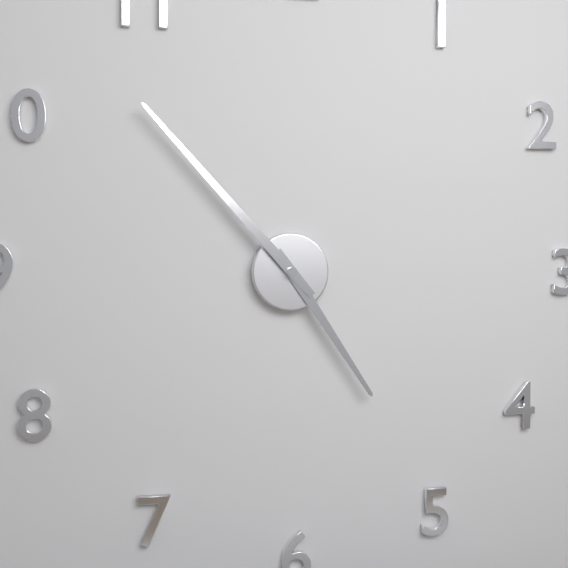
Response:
4.53
